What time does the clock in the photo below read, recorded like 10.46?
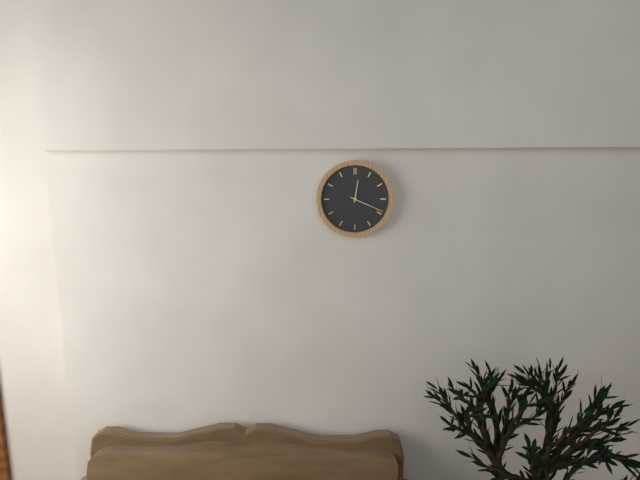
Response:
12.19
